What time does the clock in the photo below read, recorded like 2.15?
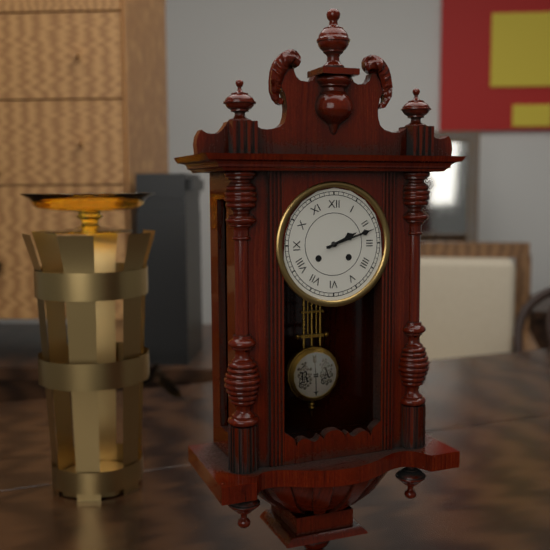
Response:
2.12
